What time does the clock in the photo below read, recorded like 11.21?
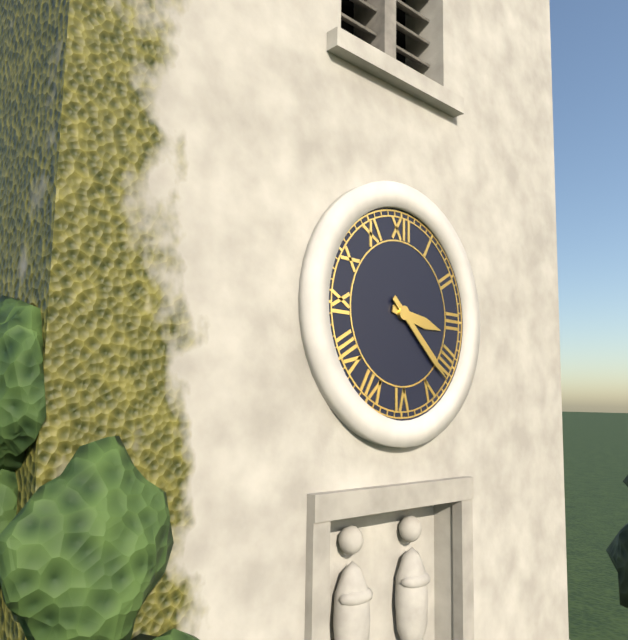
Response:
3.22
